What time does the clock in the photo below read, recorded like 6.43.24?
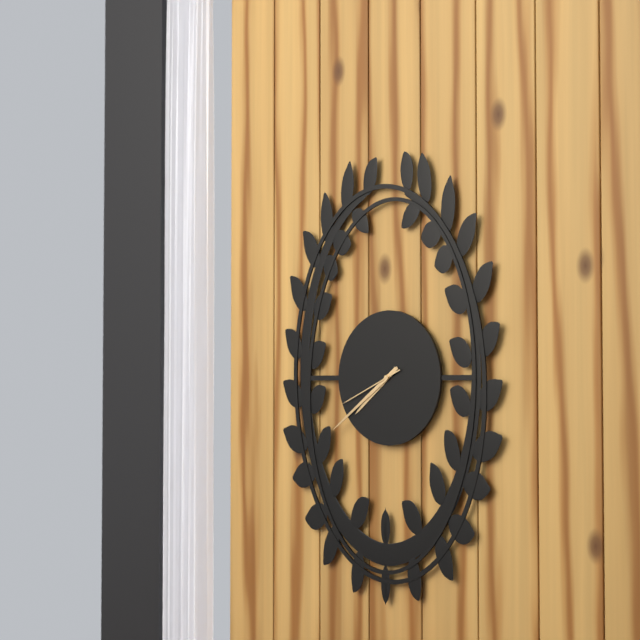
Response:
7.39.41
